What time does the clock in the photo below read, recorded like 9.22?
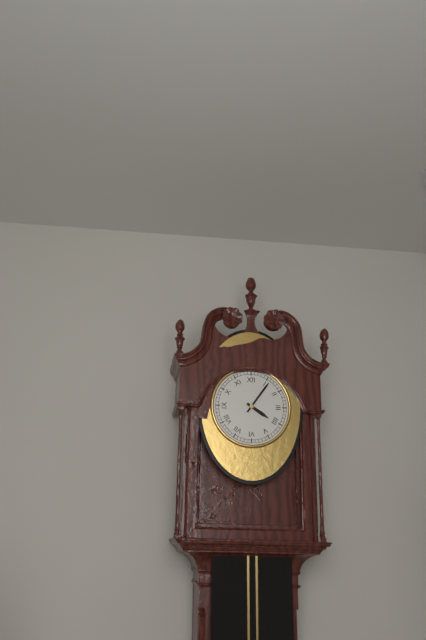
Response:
4.06
